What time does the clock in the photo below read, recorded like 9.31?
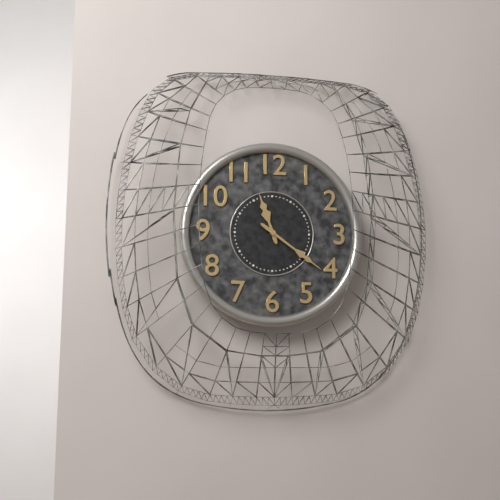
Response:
11.21
